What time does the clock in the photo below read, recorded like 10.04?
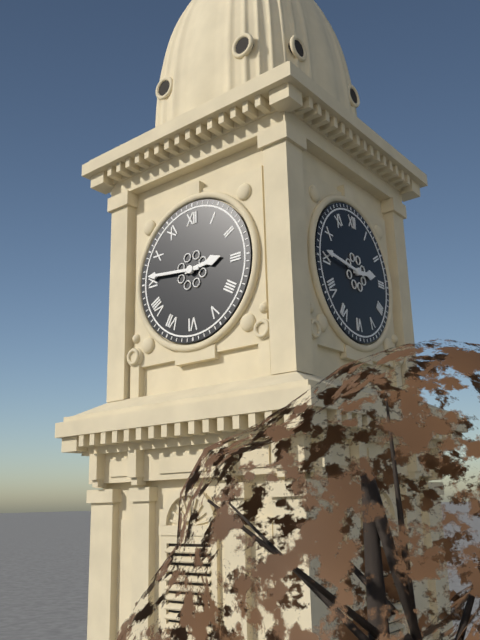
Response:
2.46
